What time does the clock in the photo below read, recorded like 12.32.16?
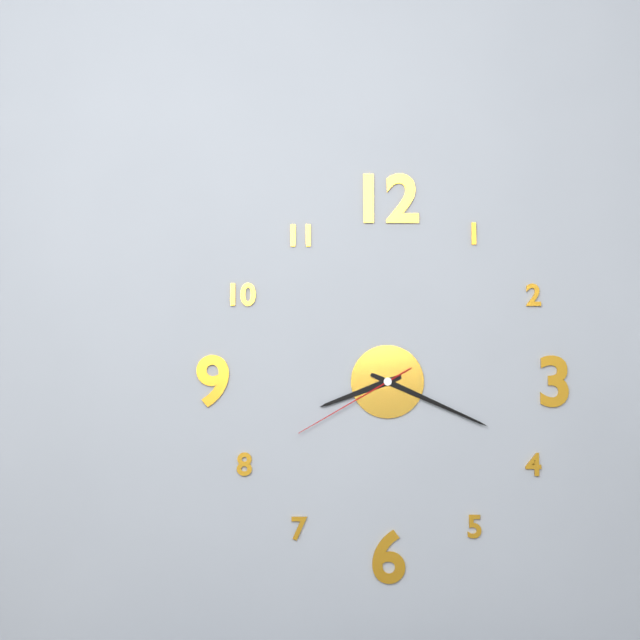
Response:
8.19.40
